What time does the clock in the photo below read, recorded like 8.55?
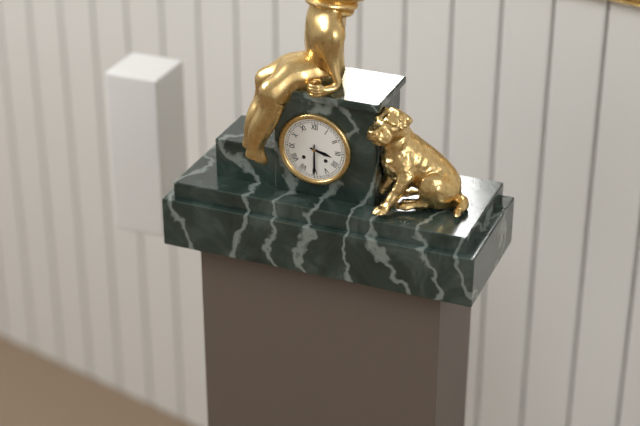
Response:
3.30
